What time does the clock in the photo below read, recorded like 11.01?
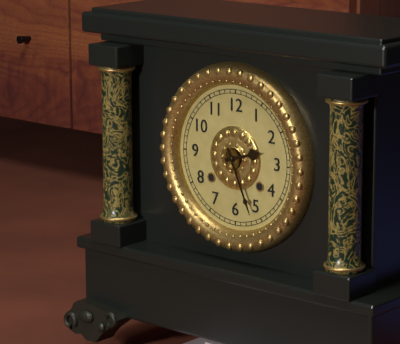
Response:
2.26
